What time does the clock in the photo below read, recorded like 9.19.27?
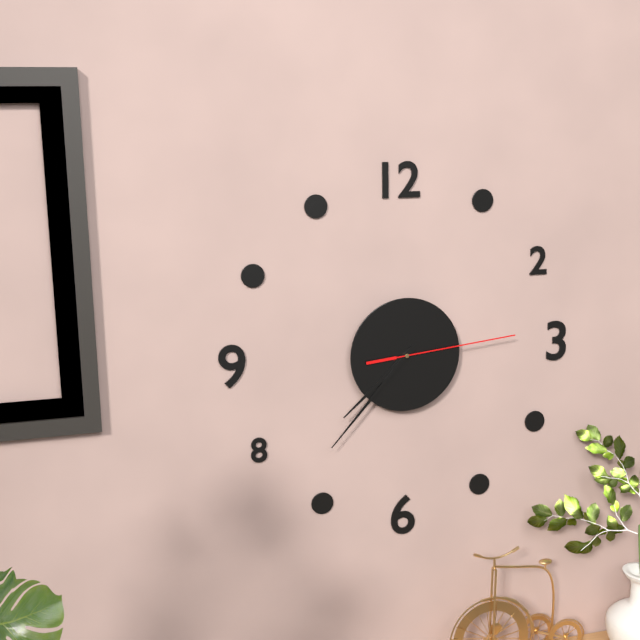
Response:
7.37.14
